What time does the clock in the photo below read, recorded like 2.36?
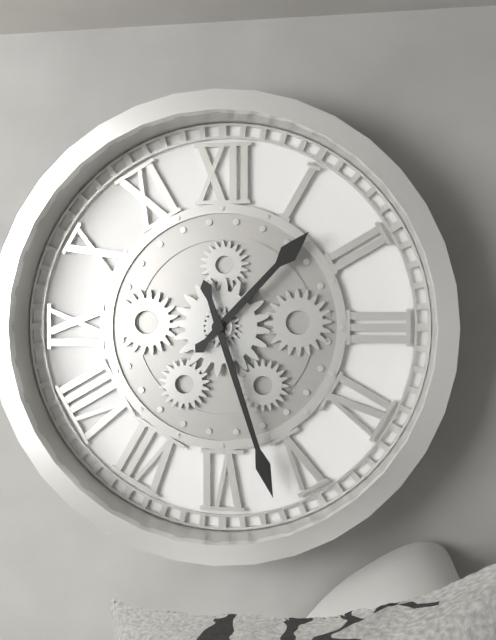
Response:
1.27
